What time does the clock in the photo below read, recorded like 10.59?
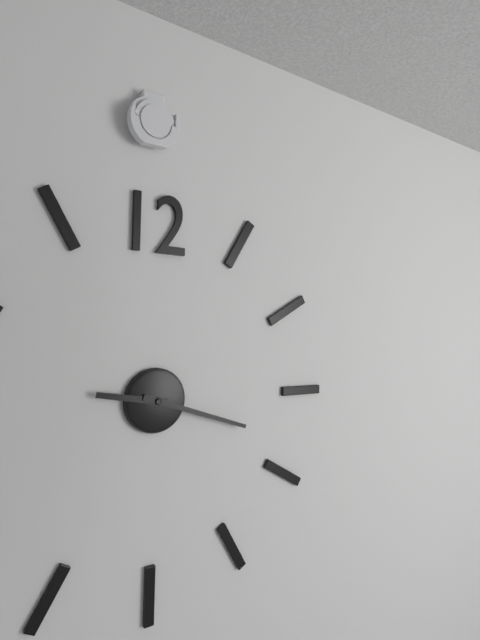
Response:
9.18
